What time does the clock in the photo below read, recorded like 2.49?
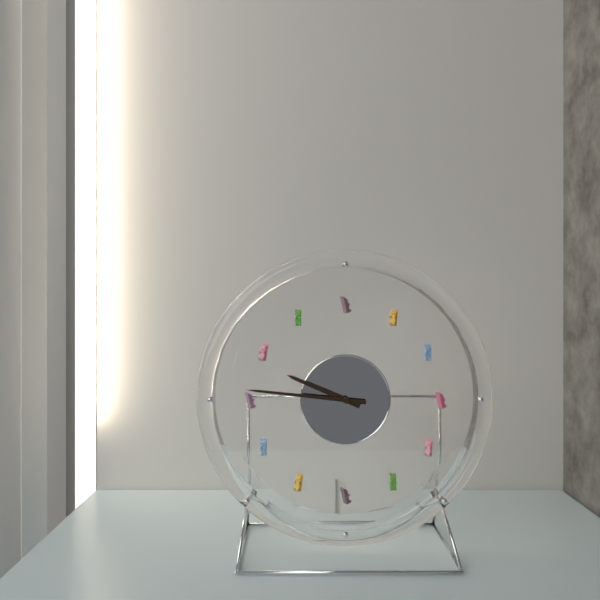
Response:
9.46
